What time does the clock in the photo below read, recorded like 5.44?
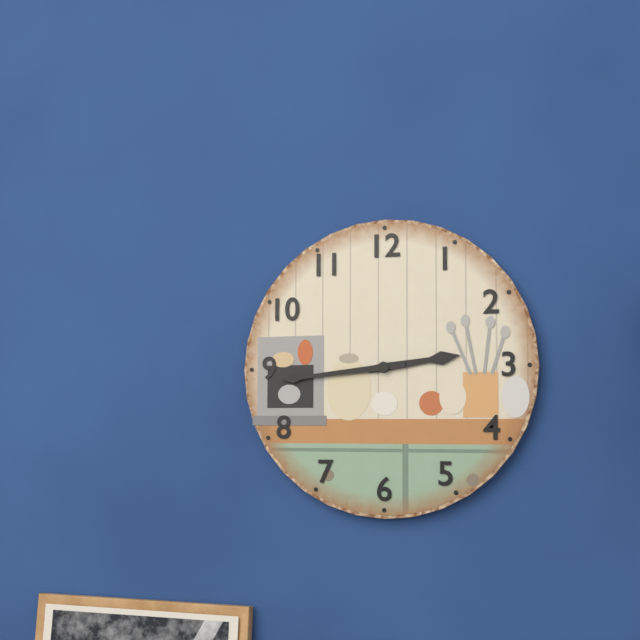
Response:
2.44
